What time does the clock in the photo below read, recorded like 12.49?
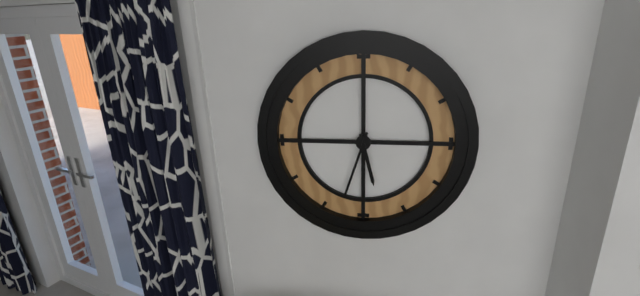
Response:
5.33
